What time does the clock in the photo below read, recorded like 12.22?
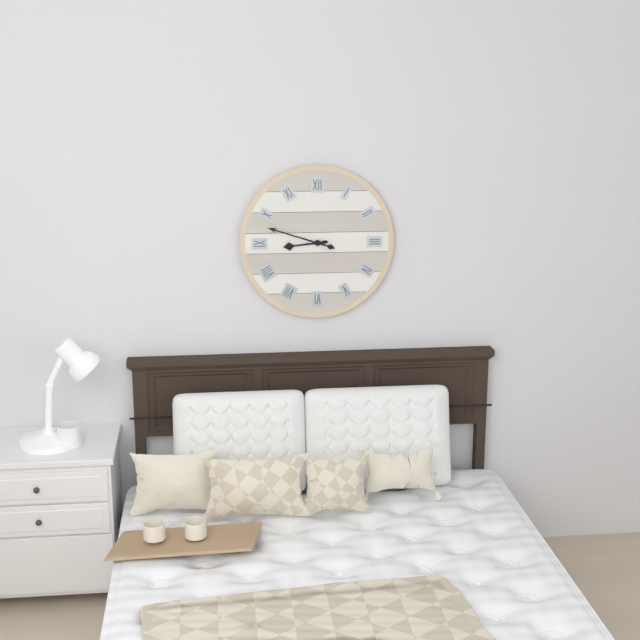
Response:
8.48
